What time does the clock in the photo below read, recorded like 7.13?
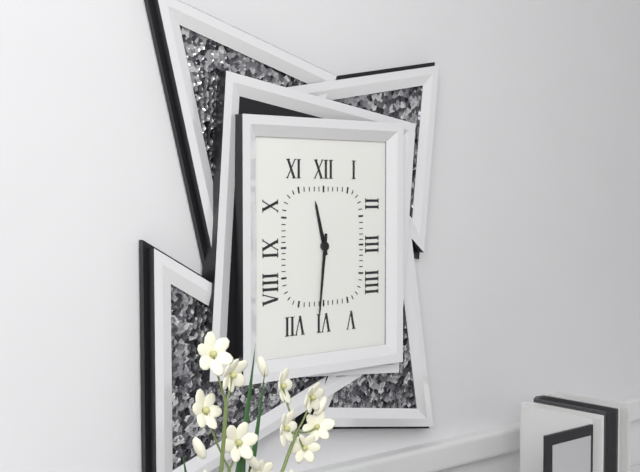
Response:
11.31
